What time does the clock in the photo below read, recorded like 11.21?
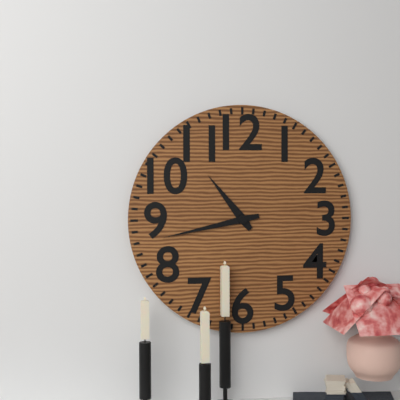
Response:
10.43
